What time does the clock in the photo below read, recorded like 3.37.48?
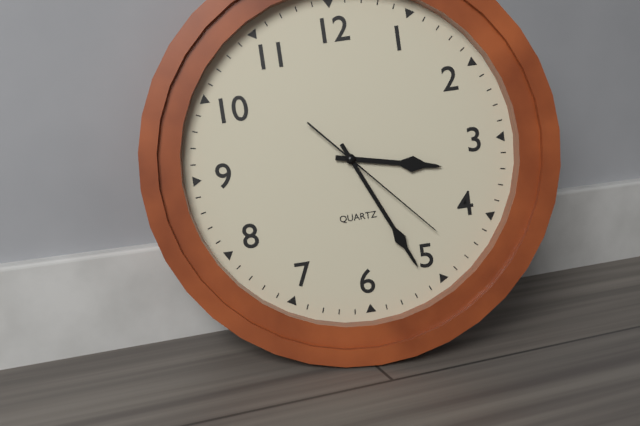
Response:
3.26.23
